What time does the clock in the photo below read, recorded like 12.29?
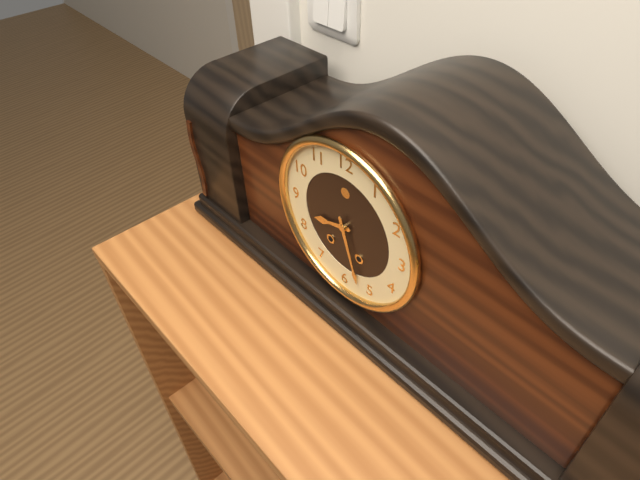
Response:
8.27
